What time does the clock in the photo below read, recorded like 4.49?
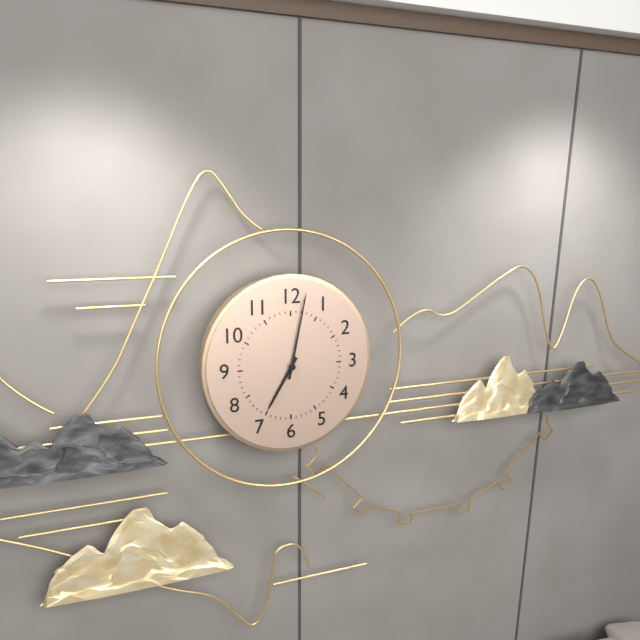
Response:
7.02
